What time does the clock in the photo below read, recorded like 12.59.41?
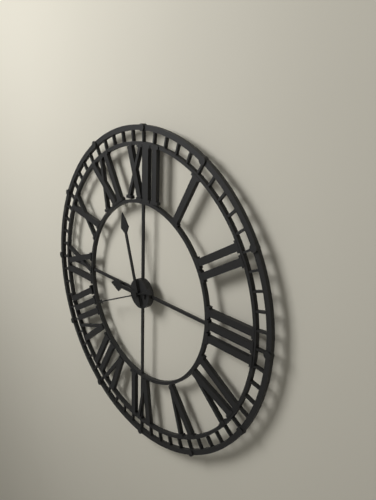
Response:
8.57.41
